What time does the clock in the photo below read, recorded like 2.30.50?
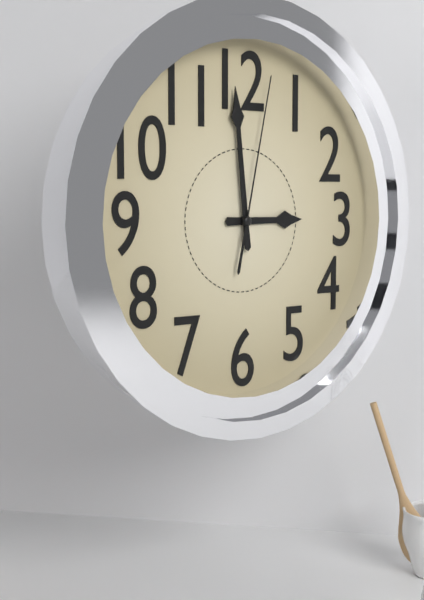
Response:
2.59.02
